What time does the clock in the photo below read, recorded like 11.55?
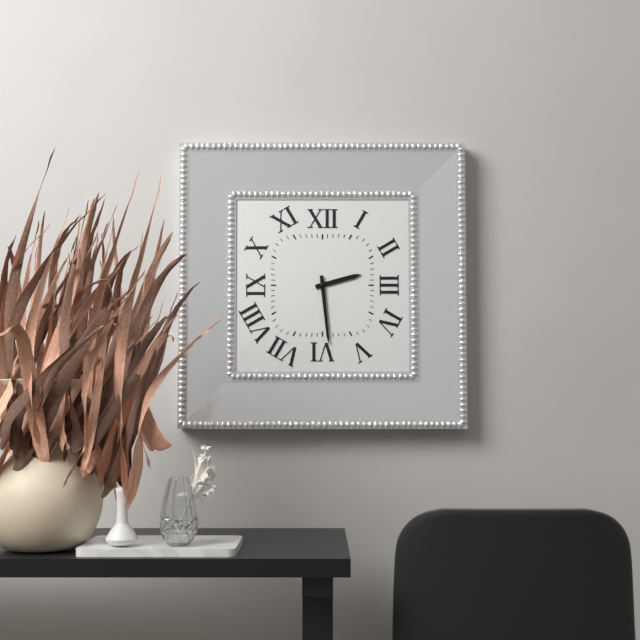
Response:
2.29
